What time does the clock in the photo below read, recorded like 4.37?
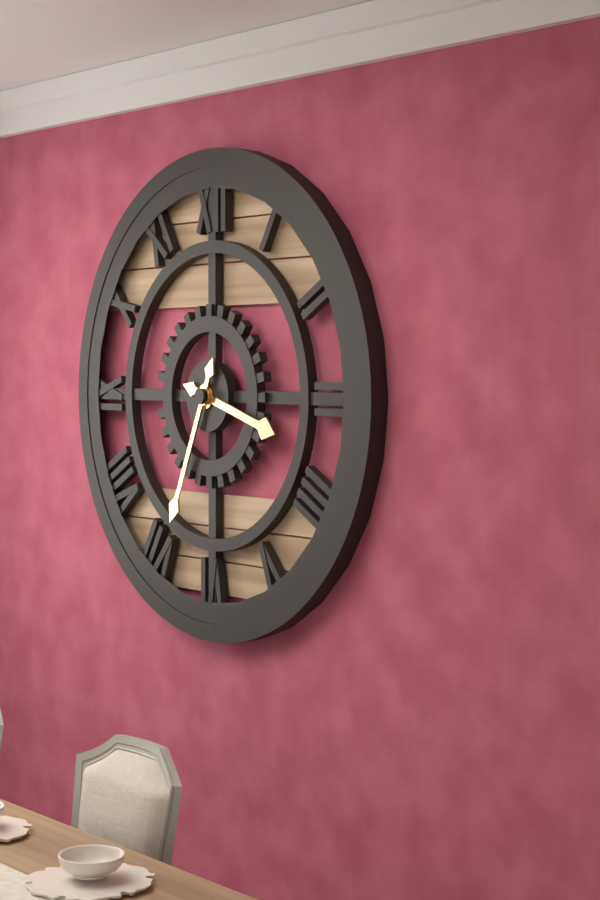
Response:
3.34
